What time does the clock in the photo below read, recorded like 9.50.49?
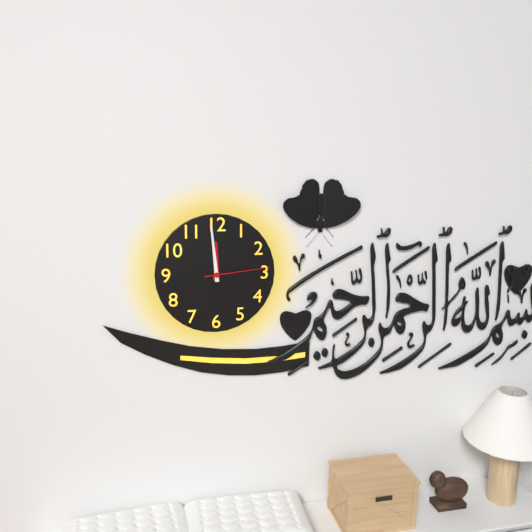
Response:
11.59.14
